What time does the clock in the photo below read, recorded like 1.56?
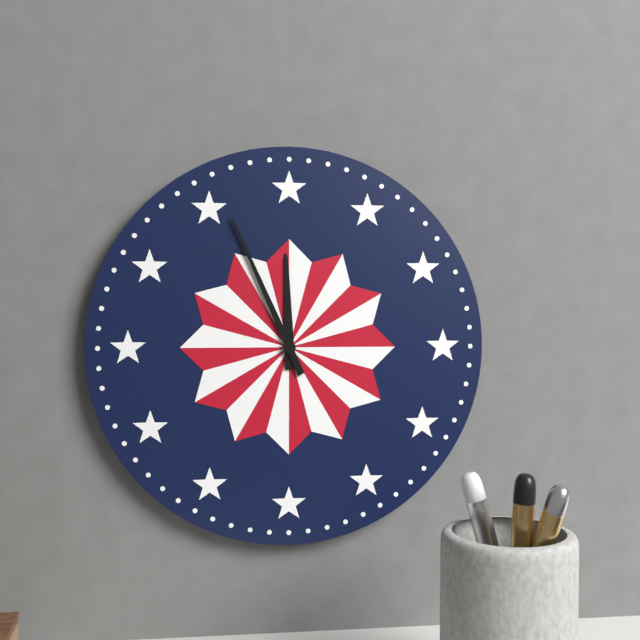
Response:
11.56
